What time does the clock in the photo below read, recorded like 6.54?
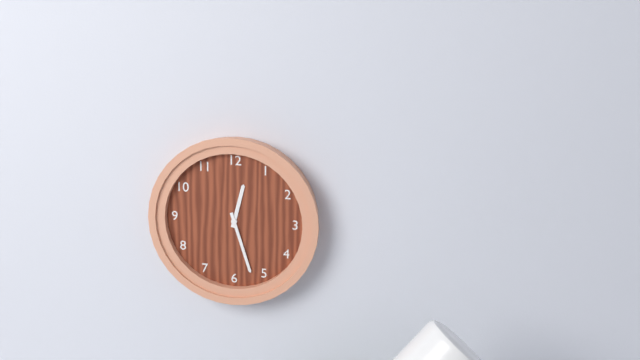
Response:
12.27
